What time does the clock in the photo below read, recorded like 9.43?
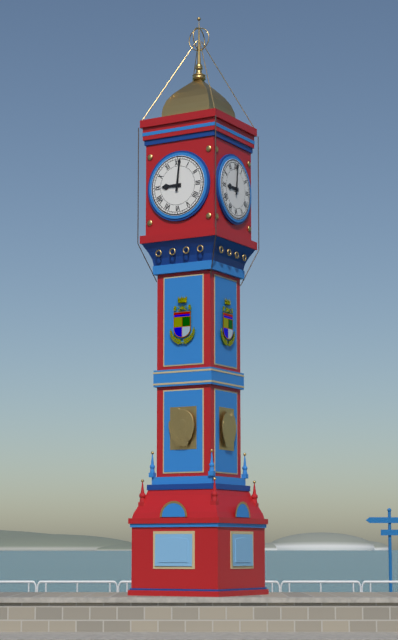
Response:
9.01
